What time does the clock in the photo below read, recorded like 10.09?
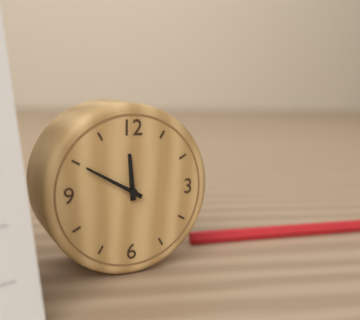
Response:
11.50
